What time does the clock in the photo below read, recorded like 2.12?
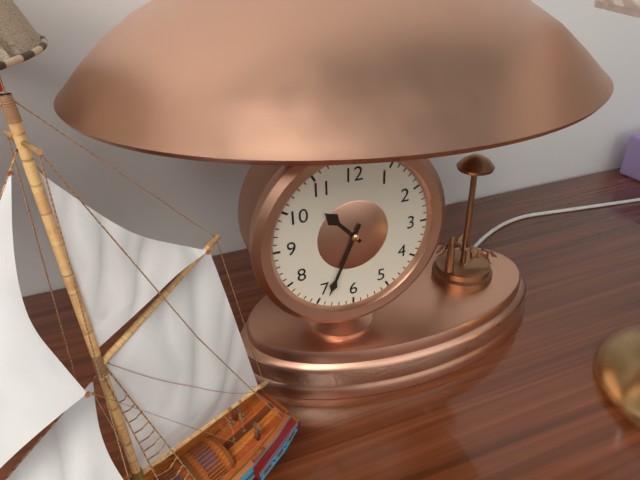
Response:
10.34
